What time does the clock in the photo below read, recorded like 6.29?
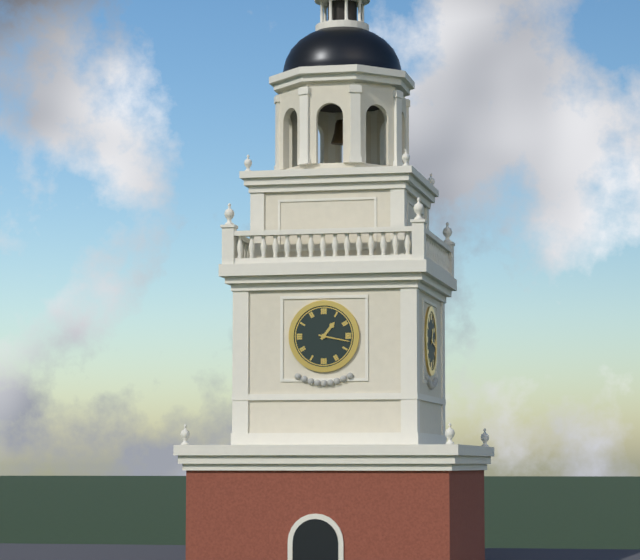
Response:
1.17
